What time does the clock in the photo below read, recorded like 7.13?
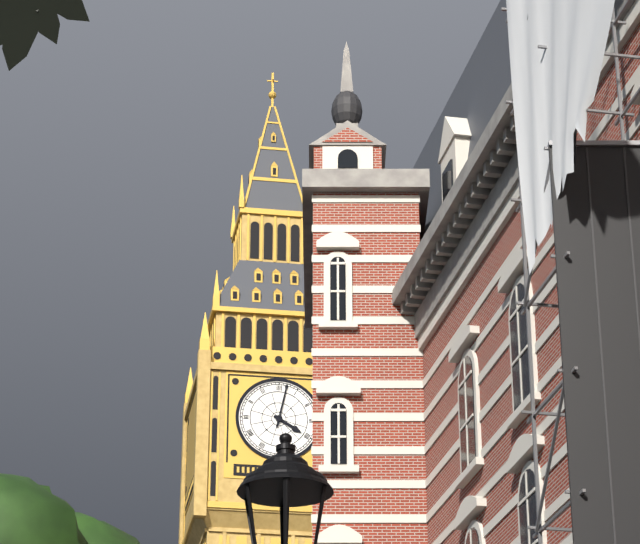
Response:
4.02
